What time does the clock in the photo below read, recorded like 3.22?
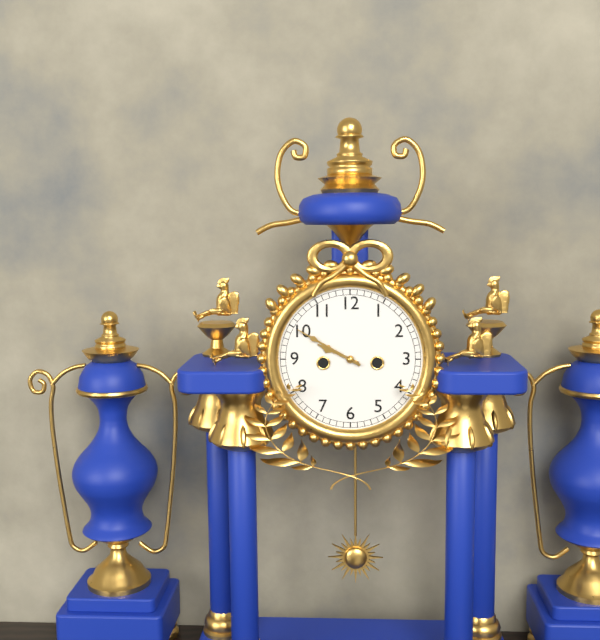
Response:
9.50
